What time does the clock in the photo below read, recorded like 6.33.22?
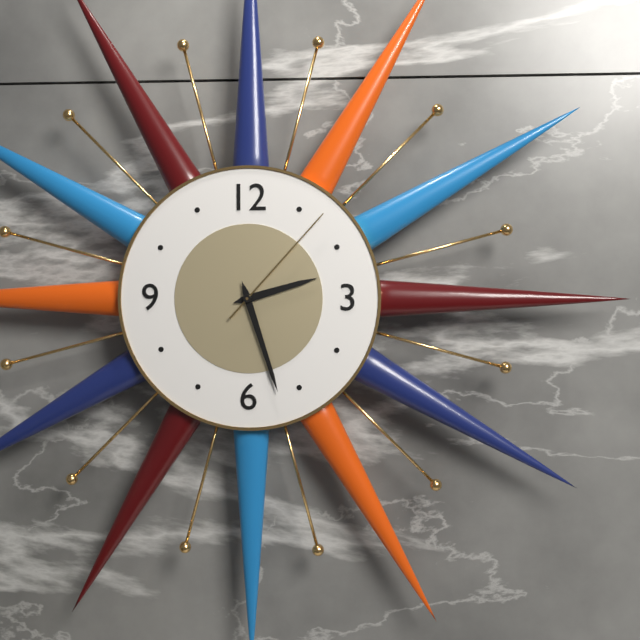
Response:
2.27.07
